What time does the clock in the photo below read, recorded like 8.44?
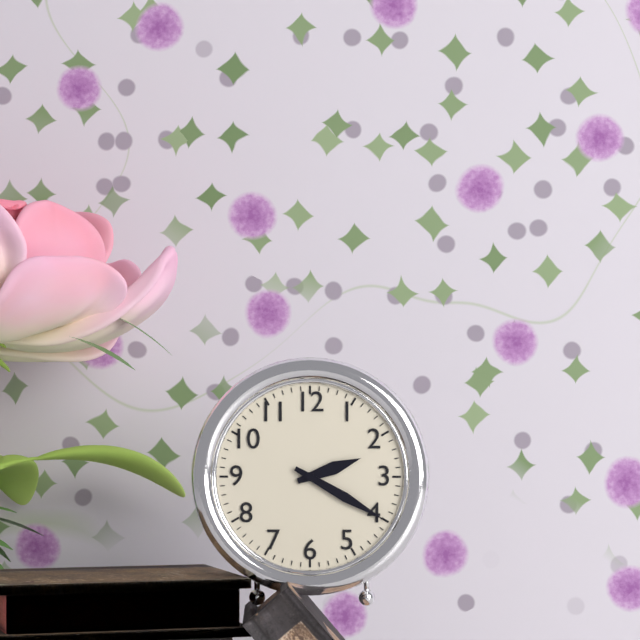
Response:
2.20
